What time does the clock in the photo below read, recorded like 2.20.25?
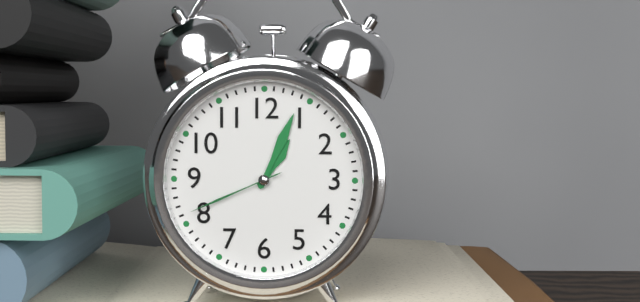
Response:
1.04.41
